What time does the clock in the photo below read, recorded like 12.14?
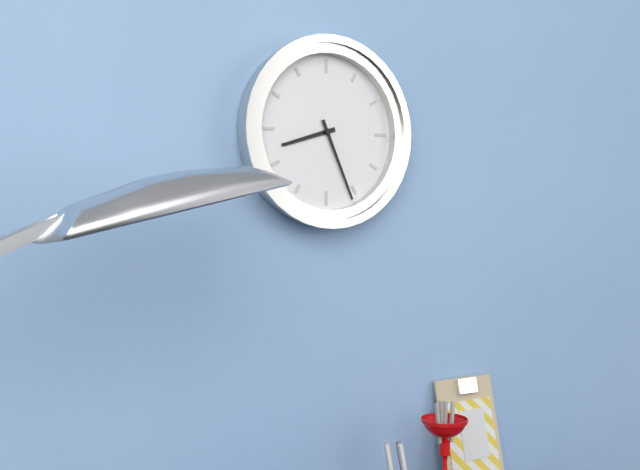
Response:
8.26
